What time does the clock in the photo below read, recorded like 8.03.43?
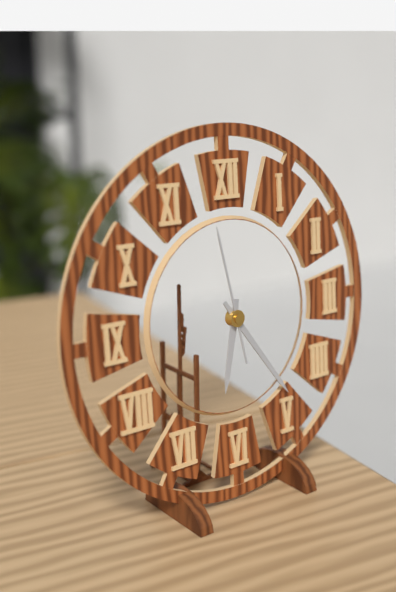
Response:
6.24.58
